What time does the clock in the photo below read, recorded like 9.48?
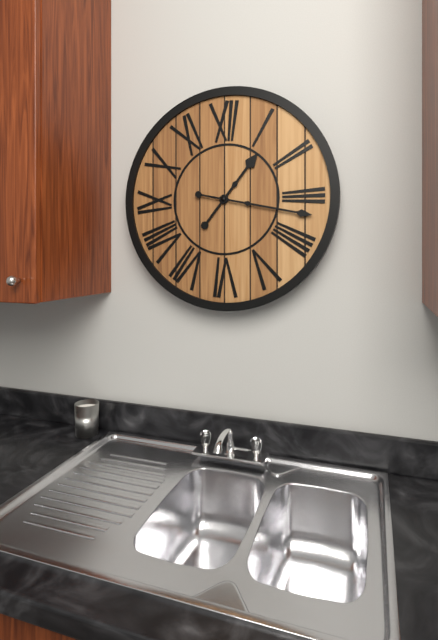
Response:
1.17
